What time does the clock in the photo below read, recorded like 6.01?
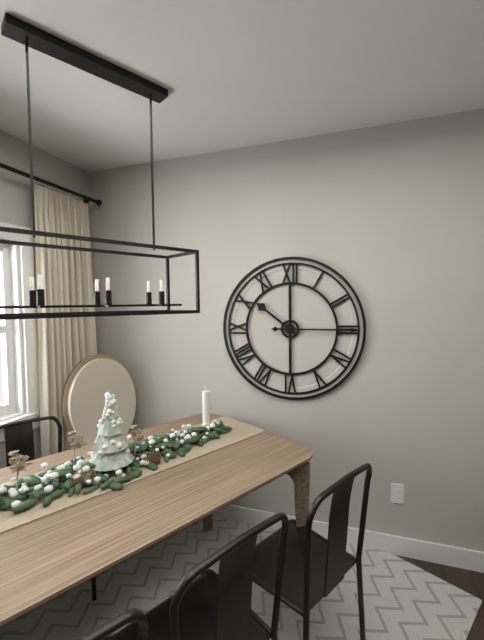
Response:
10.15
